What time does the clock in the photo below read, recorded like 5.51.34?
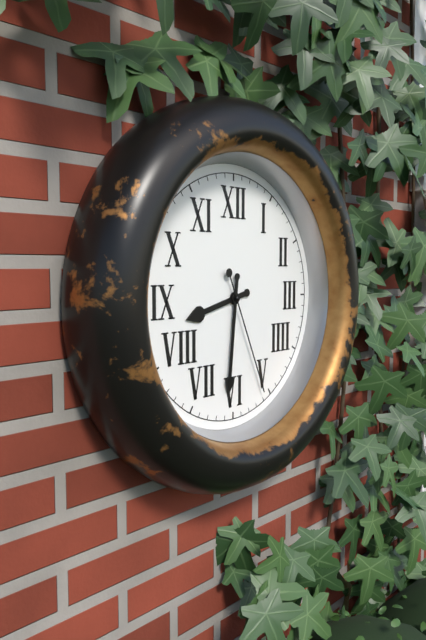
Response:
8.31.26
